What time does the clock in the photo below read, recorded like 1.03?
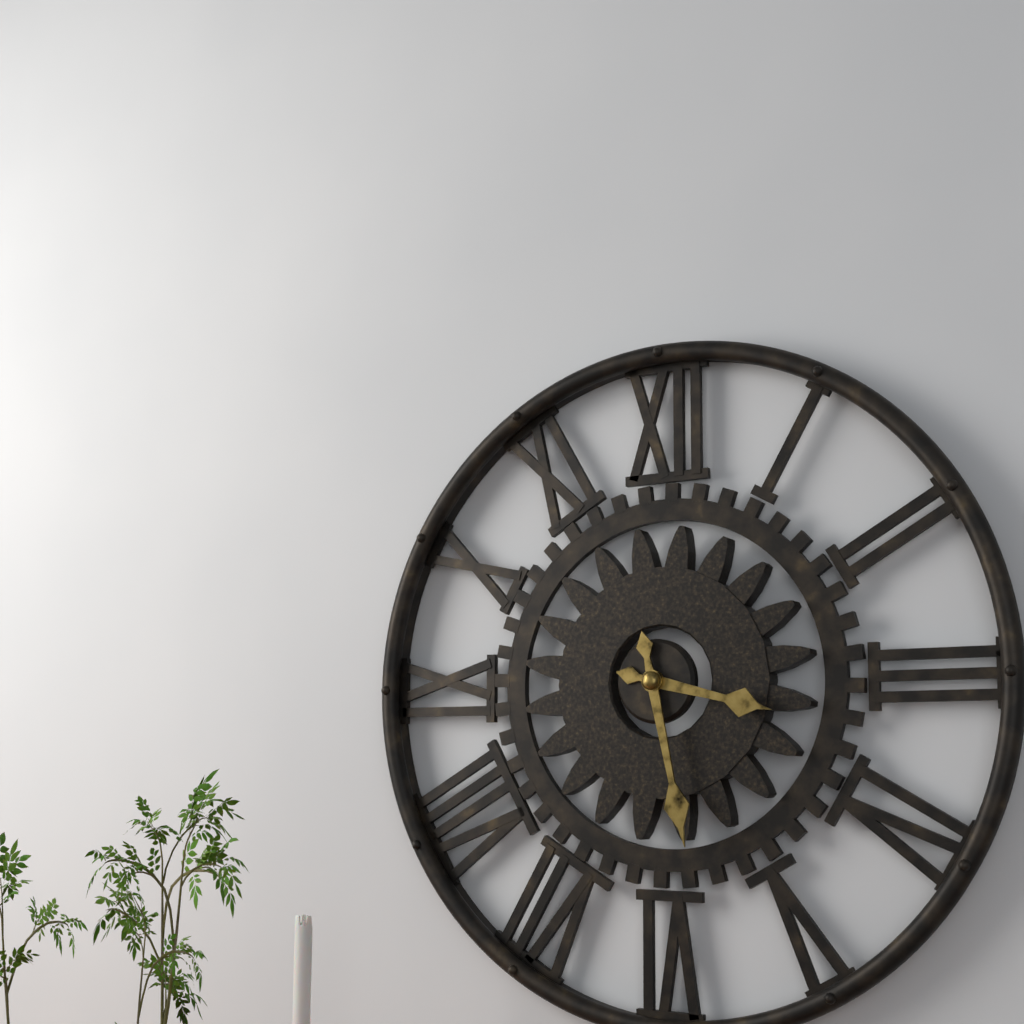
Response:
3.28
